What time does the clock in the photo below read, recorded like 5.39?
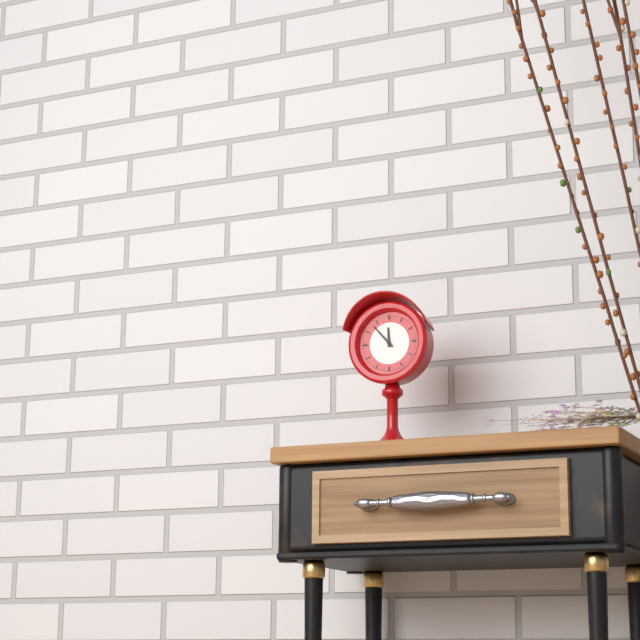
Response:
11.53
